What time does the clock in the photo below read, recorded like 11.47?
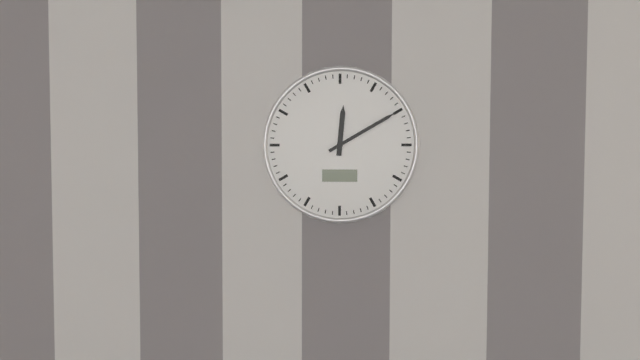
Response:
12.10
